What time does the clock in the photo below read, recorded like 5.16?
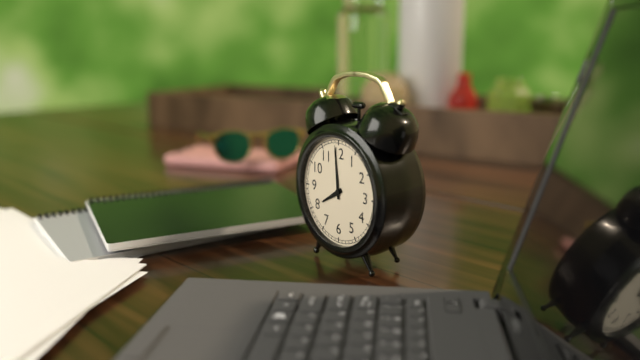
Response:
7.59
